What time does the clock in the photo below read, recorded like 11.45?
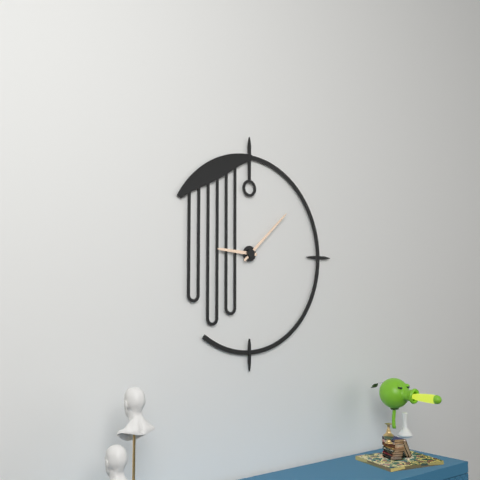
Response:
9.08
